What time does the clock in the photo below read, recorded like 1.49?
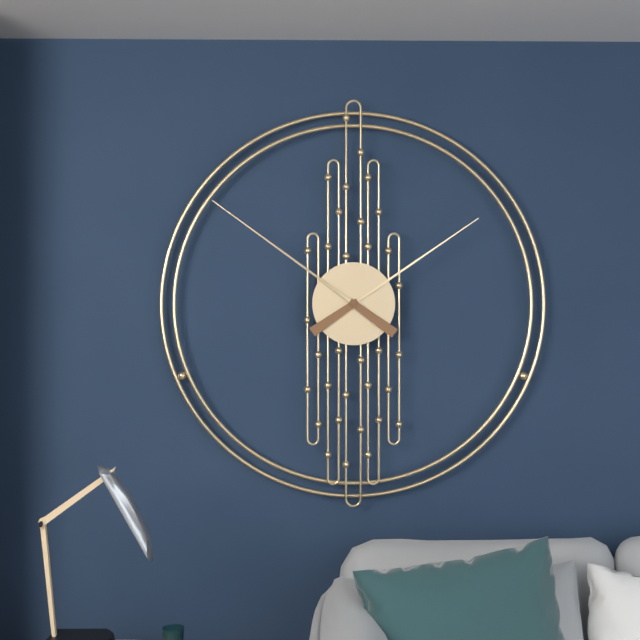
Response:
1.51
